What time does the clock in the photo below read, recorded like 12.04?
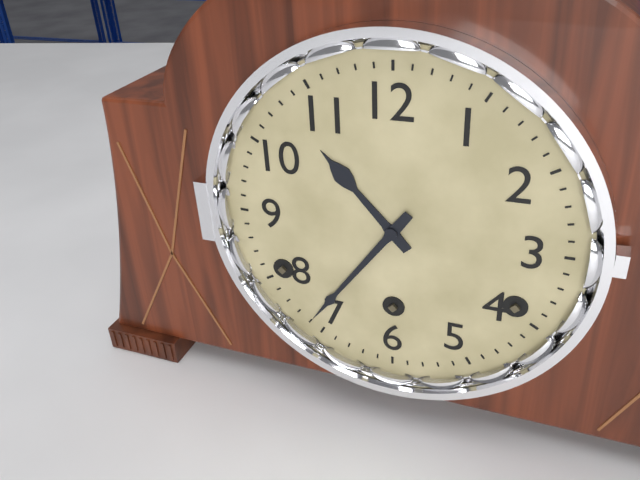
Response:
10.36
